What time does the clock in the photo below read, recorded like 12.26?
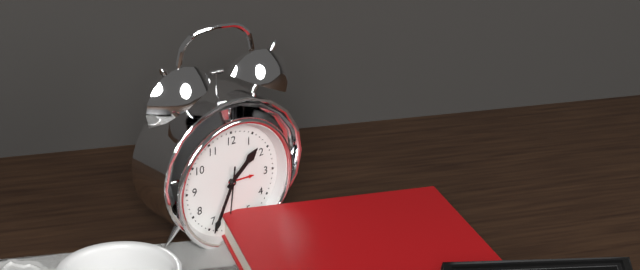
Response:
1.34
